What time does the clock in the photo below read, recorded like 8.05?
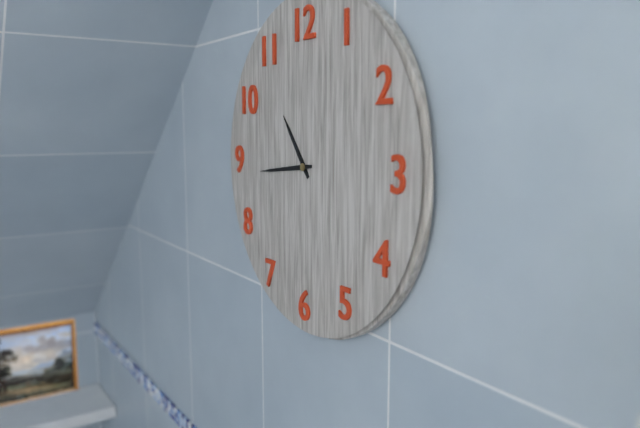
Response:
10.44
